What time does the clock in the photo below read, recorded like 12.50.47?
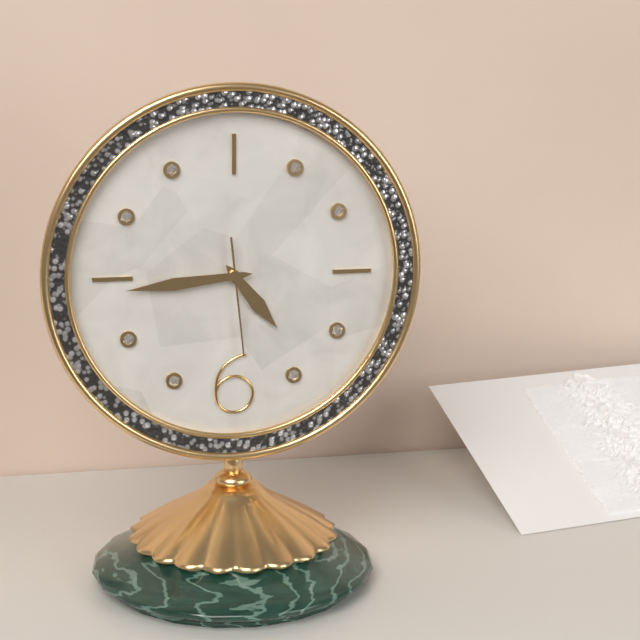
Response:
4.44.29
